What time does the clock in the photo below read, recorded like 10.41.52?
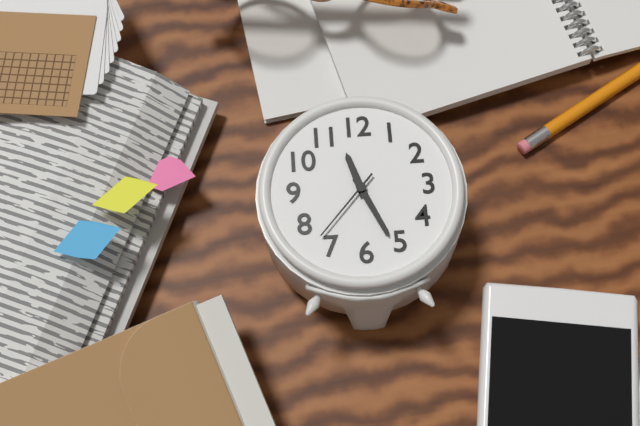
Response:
11.26.37
